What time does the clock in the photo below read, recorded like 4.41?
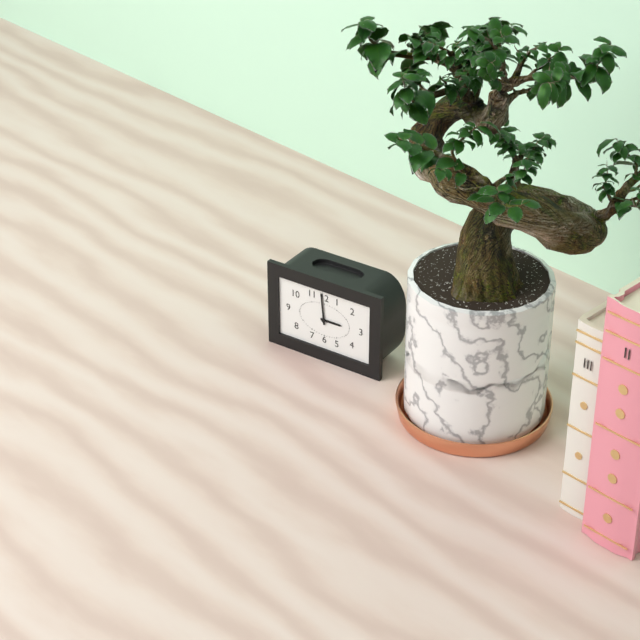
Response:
2.59
